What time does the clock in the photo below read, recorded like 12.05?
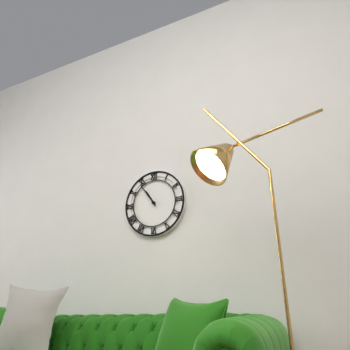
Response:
10.54
